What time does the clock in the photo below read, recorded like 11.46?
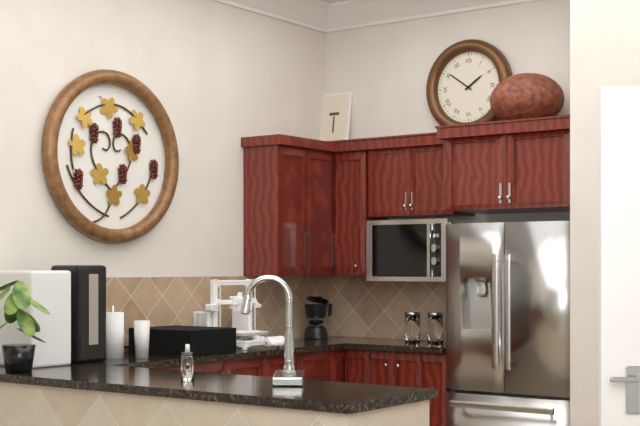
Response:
1.51
